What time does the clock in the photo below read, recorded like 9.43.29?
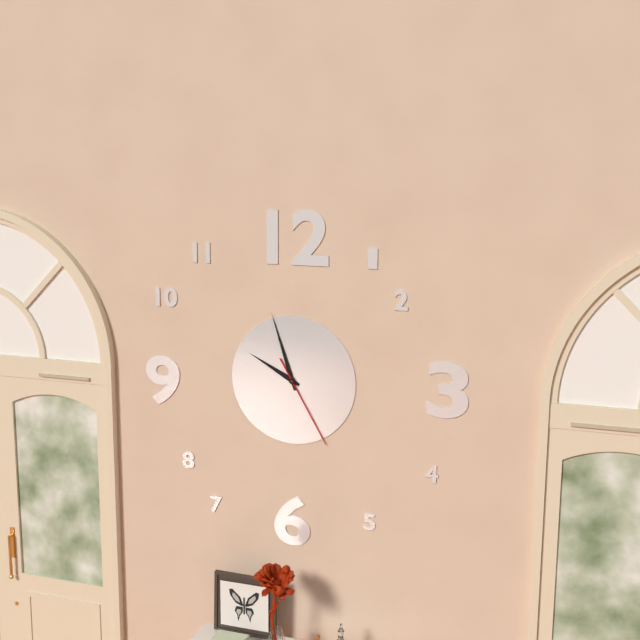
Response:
9.57.25
